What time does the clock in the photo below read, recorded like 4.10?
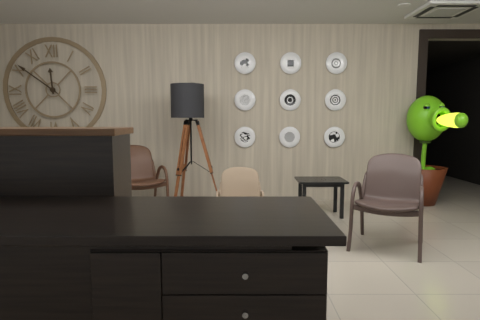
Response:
11.51
